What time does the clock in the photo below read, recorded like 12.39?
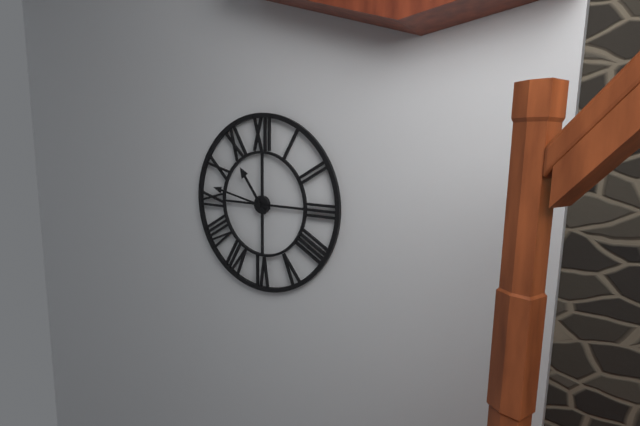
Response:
10.47
